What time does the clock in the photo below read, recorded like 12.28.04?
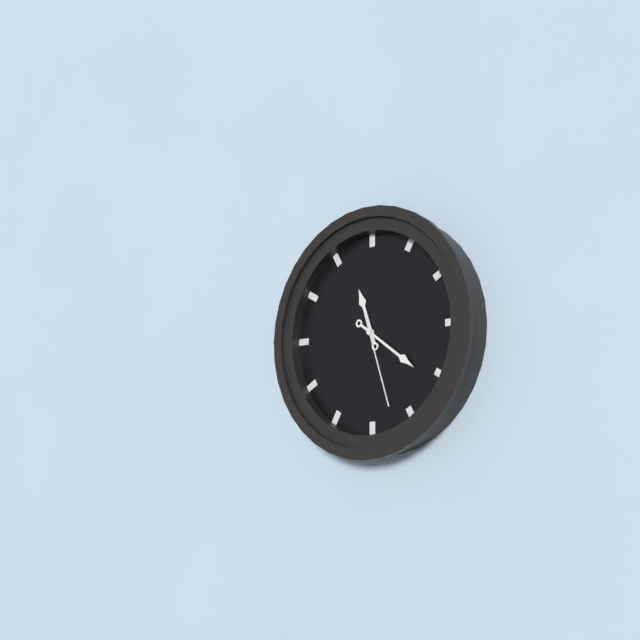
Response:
11.21.27
